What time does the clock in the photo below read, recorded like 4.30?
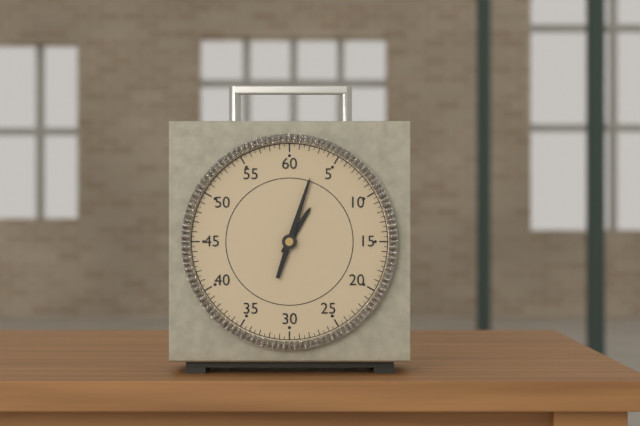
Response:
1.03
